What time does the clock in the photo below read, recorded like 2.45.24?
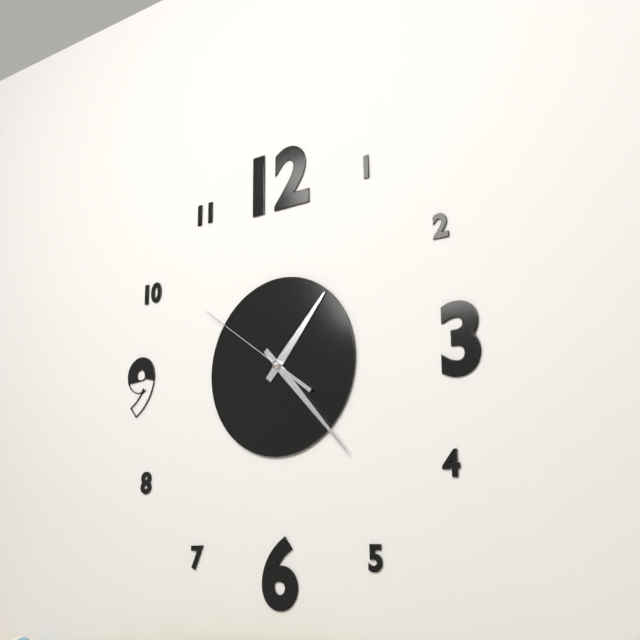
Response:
1.23.51
